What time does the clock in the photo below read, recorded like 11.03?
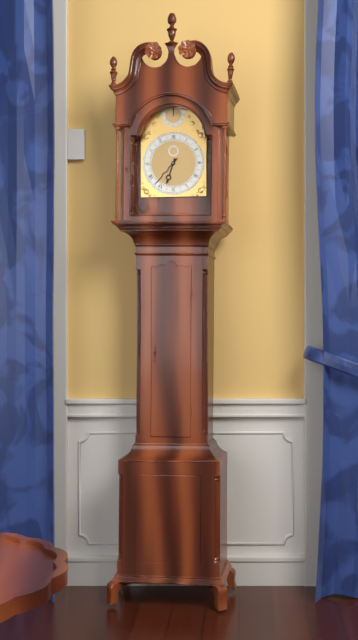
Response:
6.37
